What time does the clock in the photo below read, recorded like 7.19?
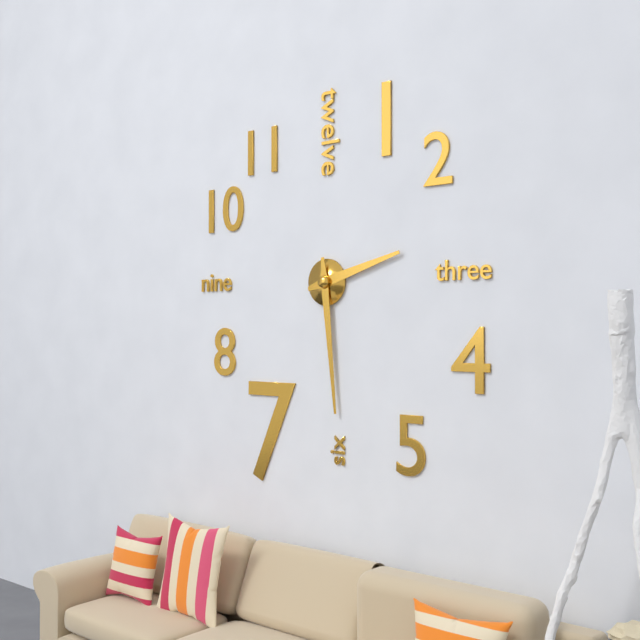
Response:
2.29
